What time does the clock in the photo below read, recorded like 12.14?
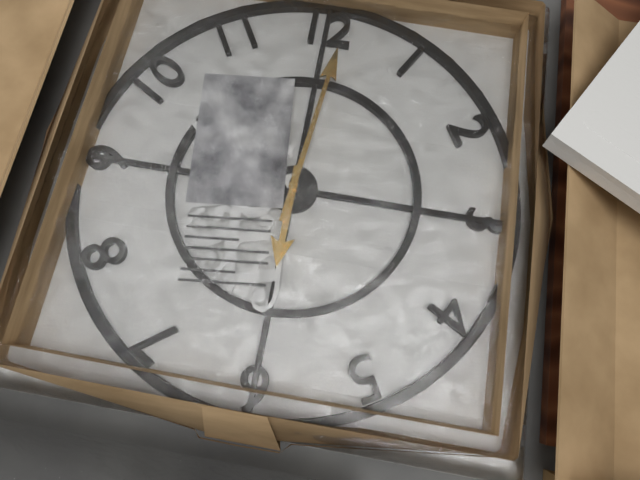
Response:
6.01
